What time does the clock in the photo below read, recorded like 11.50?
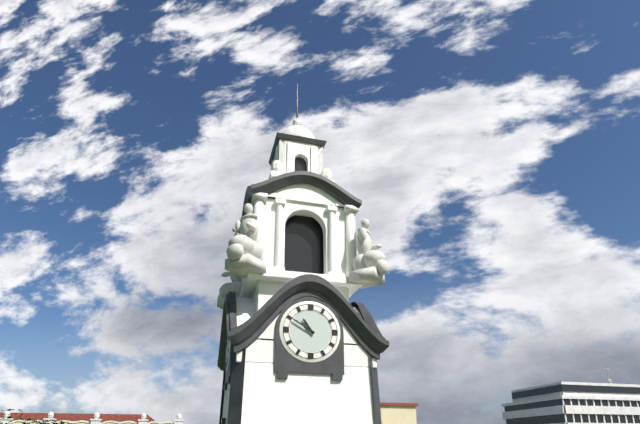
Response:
10.50
